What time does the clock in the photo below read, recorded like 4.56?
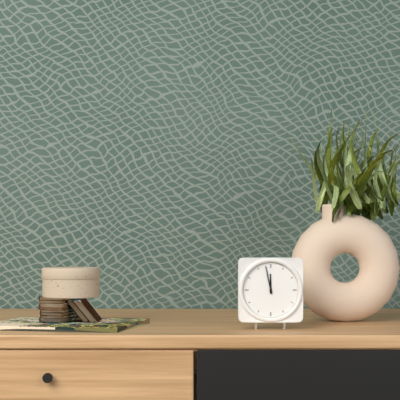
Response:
11.58
